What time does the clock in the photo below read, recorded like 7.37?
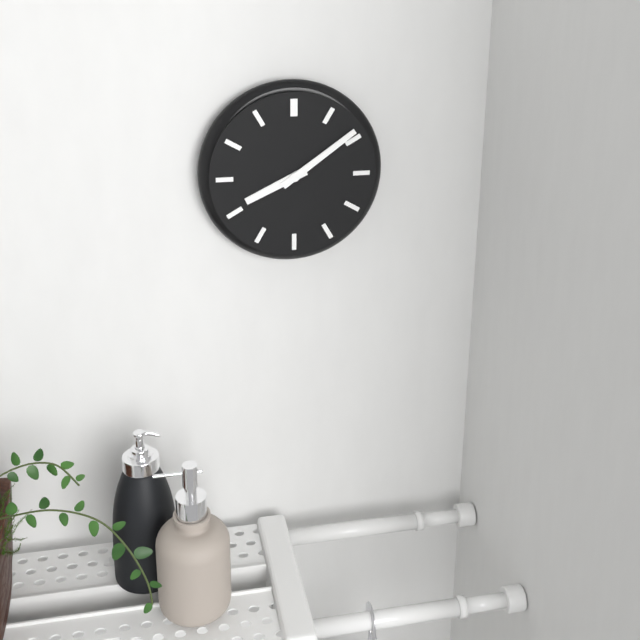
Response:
8.09
